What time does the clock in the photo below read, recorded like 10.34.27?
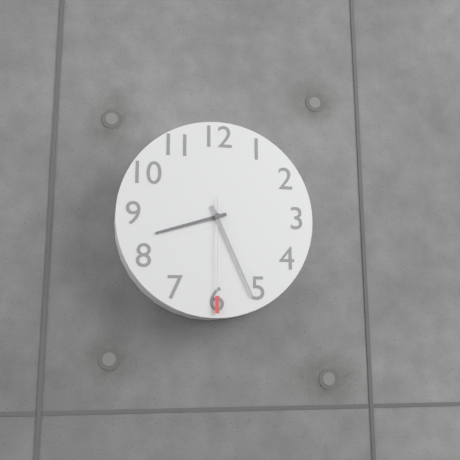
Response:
8.26.30
